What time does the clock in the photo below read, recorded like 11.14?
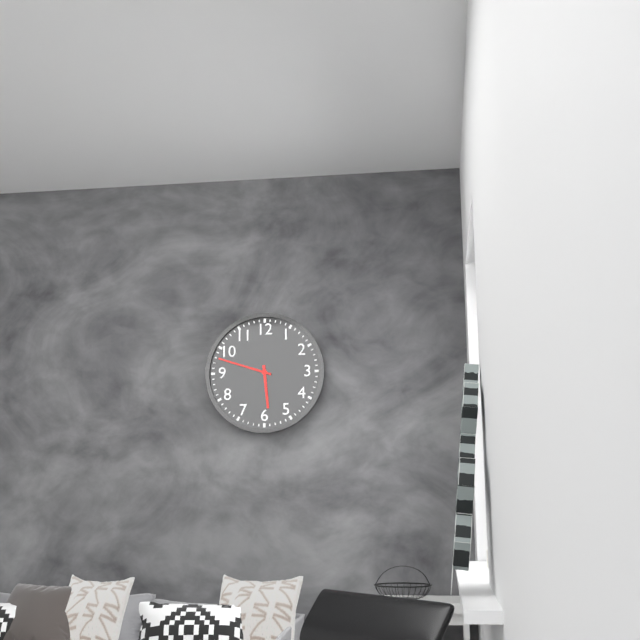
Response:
5.48
